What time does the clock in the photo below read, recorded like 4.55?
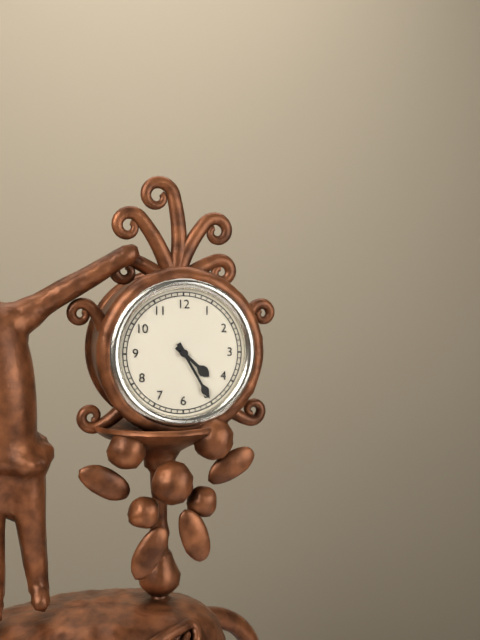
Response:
4.25
